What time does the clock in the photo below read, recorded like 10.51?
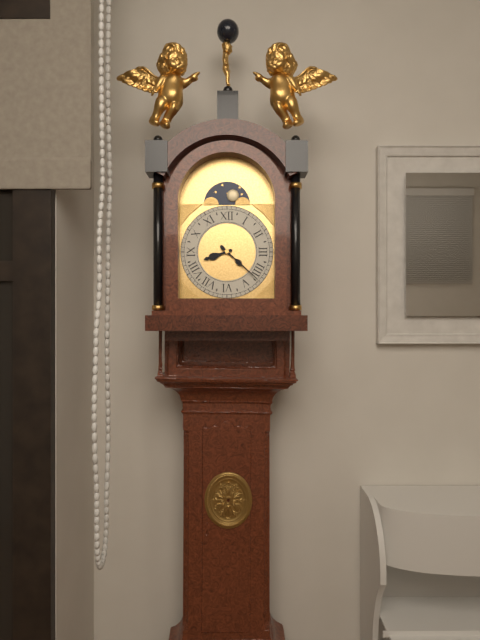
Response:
8.22
